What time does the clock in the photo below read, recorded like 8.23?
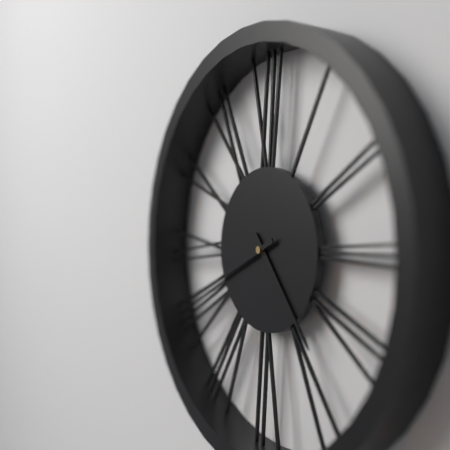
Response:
4.41
